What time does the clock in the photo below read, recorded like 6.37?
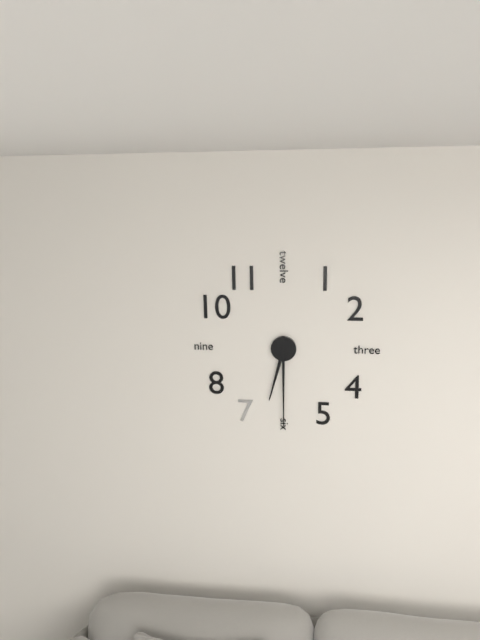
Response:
6.30
